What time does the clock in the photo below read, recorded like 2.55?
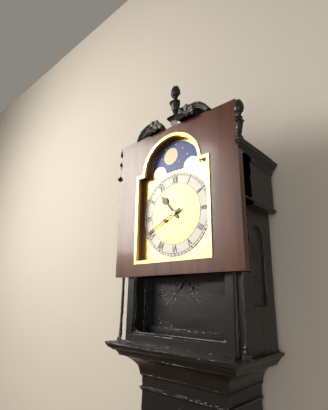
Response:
10.41
